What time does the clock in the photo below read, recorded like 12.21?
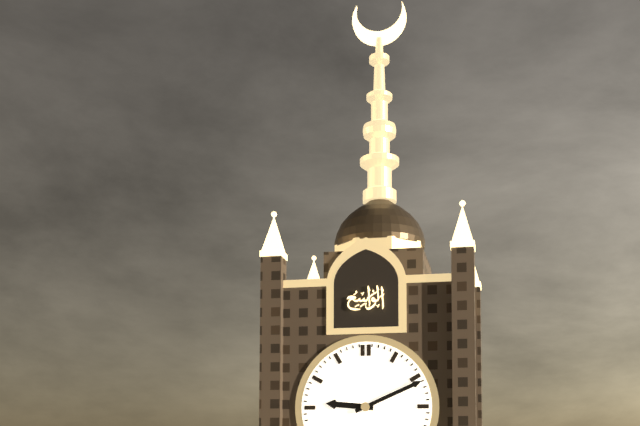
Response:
9.11
